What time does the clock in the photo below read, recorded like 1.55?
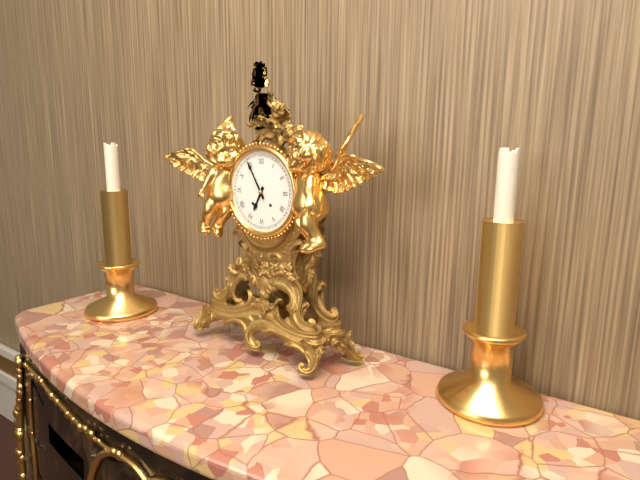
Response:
6.55
